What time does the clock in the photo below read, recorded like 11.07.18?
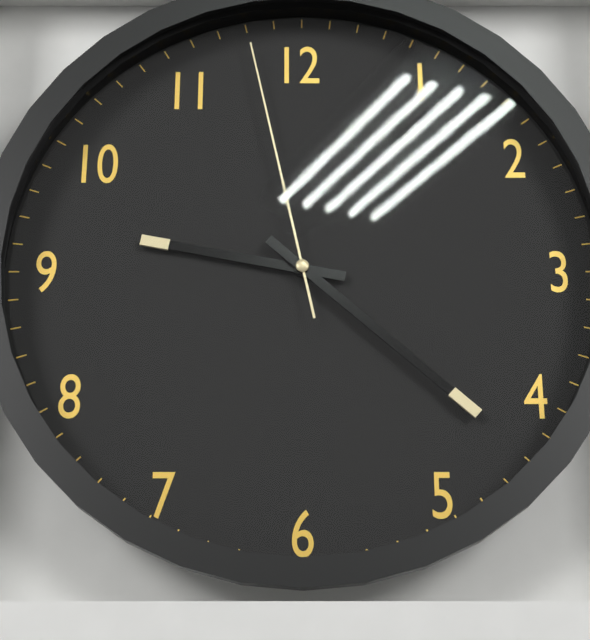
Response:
9.22.58
